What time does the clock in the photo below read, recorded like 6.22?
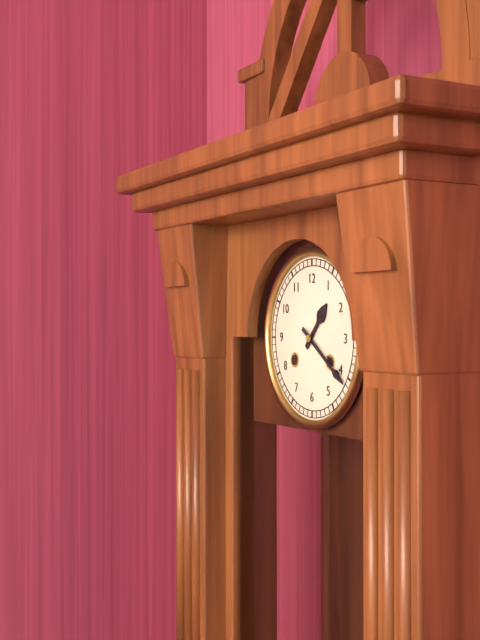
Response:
1.21
